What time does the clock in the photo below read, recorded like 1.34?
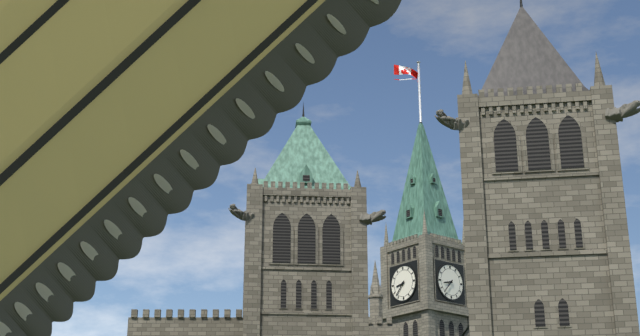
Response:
8.37
